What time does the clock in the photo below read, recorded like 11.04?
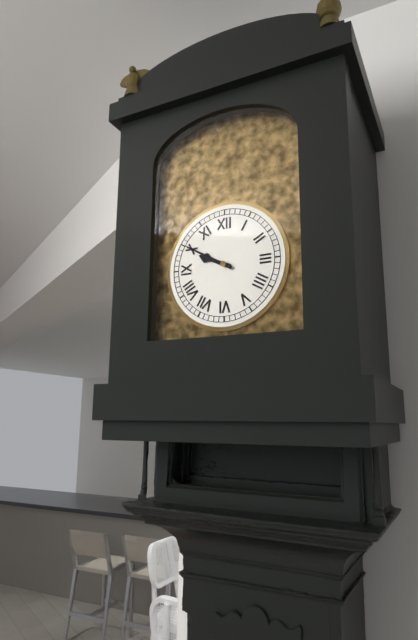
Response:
9.50
